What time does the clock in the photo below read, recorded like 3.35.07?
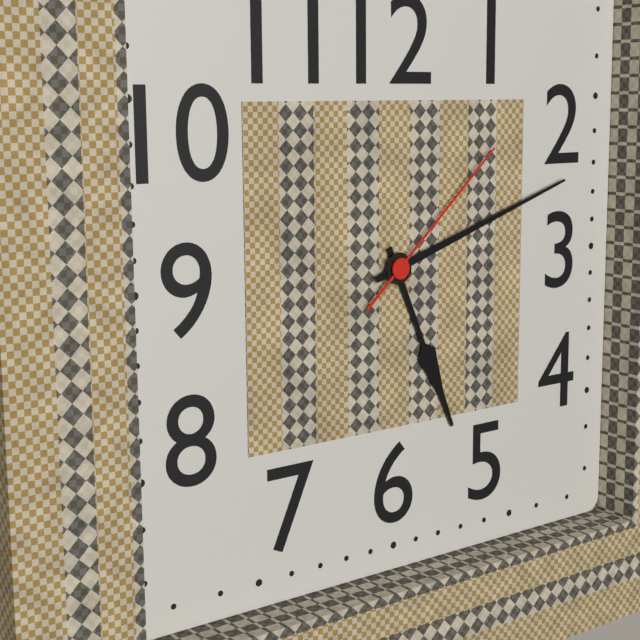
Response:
5.12.08
